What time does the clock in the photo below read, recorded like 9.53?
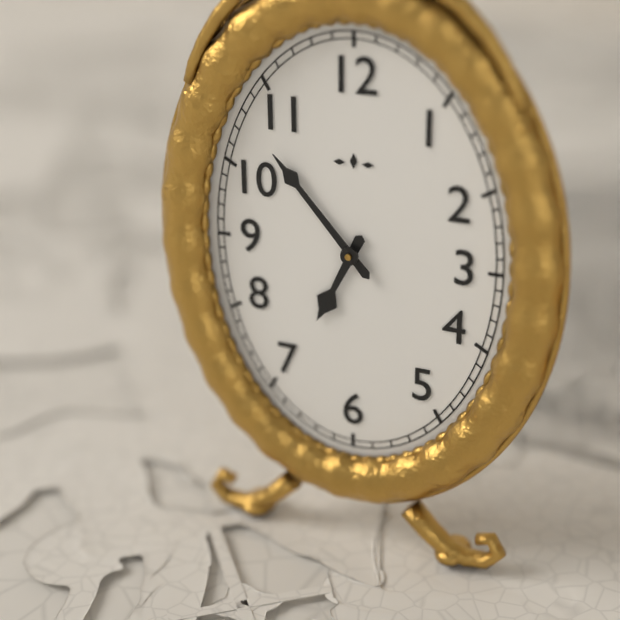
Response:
6.53
